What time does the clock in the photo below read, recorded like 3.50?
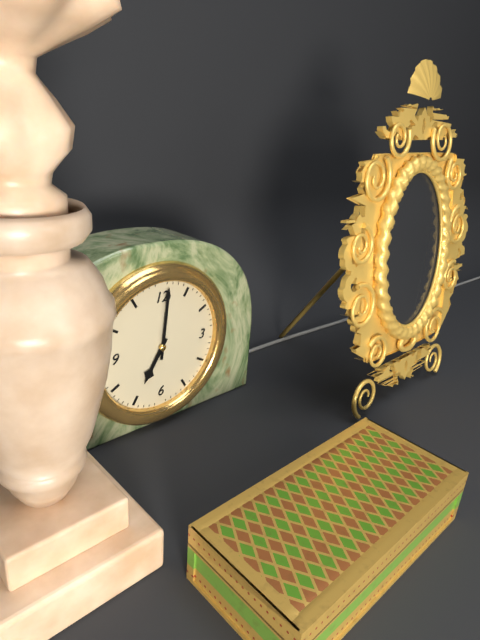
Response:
7.01
